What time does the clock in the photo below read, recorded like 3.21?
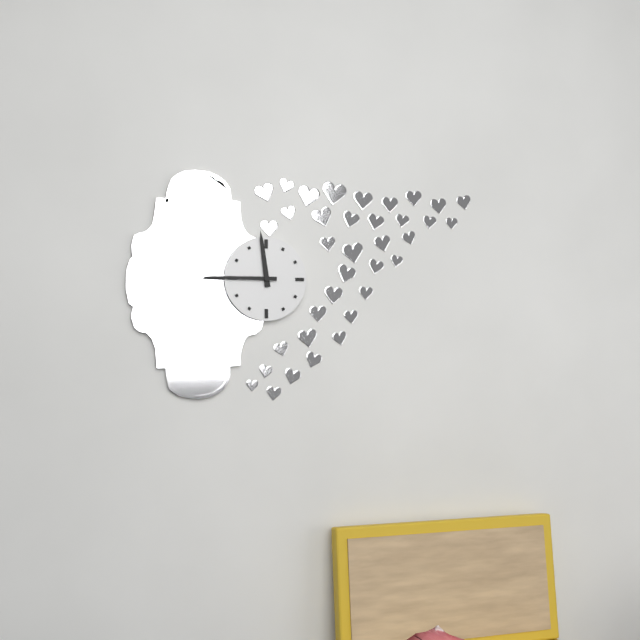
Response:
11.45
